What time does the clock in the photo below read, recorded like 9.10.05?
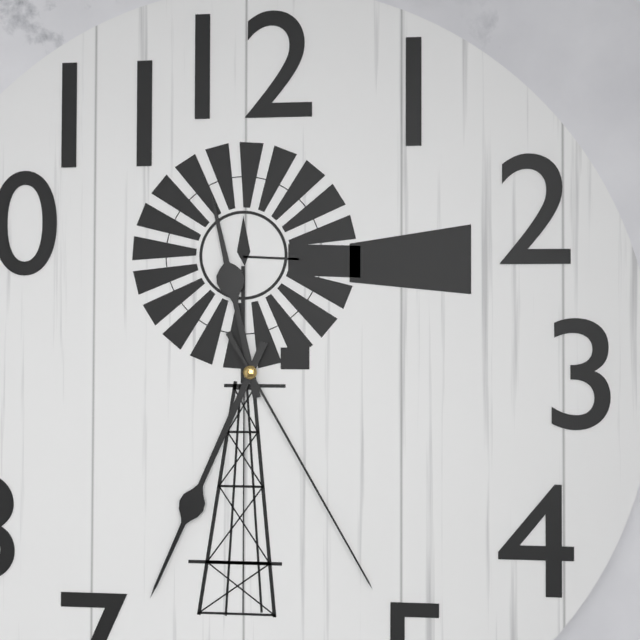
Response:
11.34.25
